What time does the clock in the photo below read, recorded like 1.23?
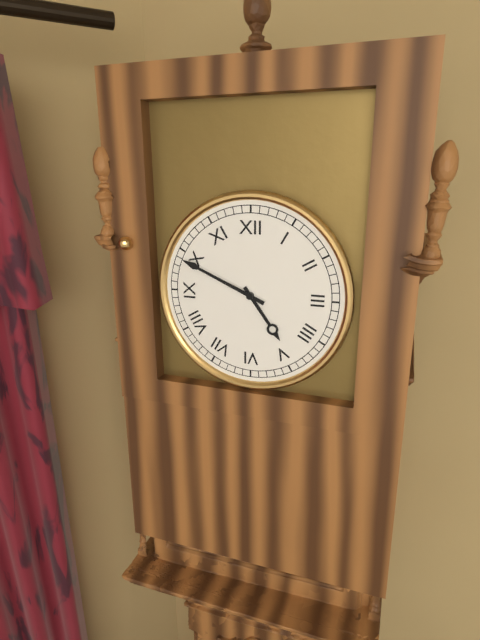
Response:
4.49
